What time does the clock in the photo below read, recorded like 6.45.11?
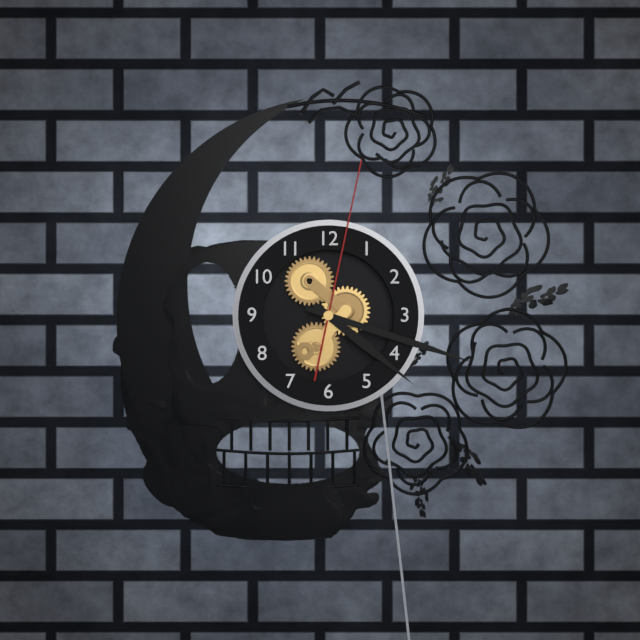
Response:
4.18.02
